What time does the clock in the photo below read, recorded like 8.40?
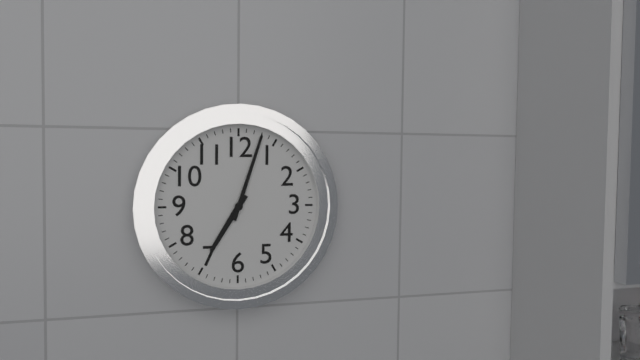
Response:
7.03
